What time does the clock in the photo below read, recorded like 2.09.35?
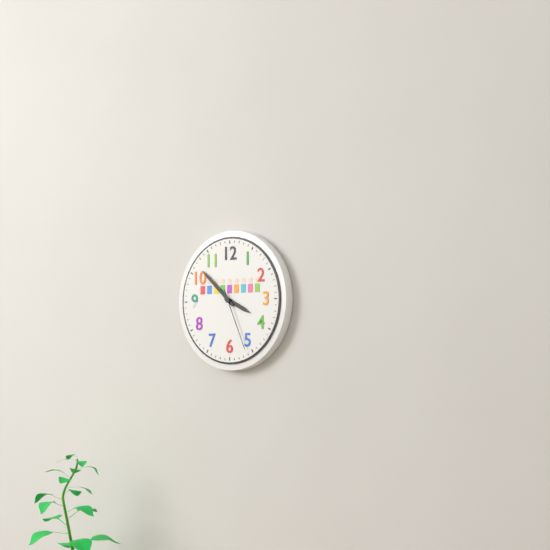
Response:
3.52.26
